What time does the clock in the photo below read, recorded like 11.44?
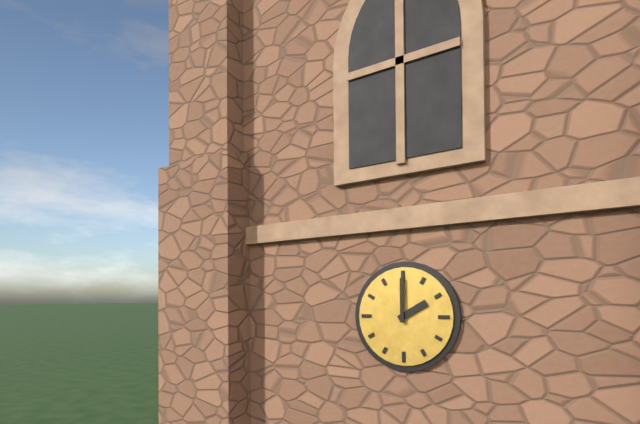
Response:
2.00
